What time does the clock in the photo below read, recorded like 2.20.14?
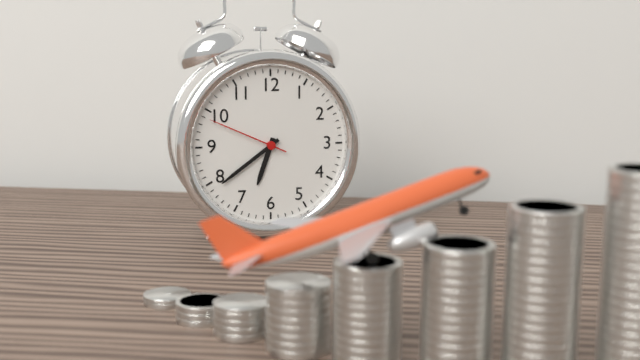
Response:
6.39.49
